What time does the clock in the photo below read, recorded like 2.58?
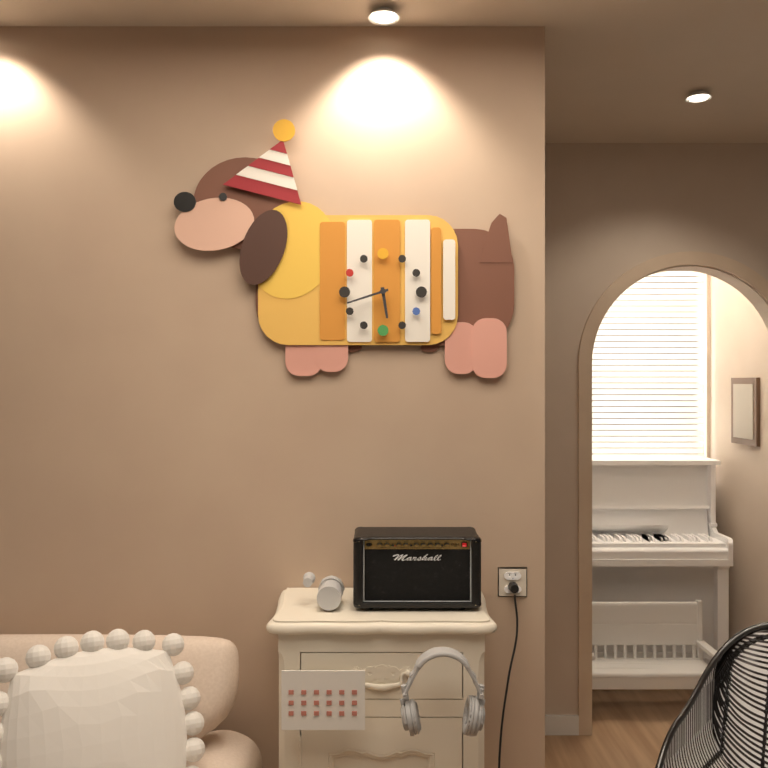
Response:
5.42
